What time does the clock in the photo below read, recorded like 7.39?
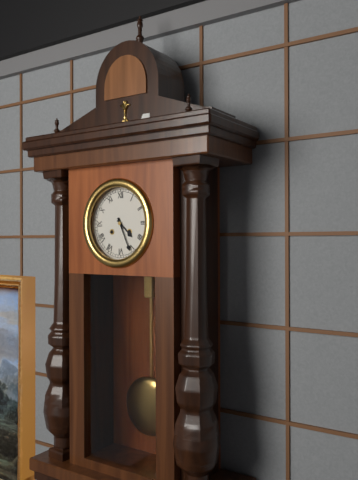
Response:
4.26
